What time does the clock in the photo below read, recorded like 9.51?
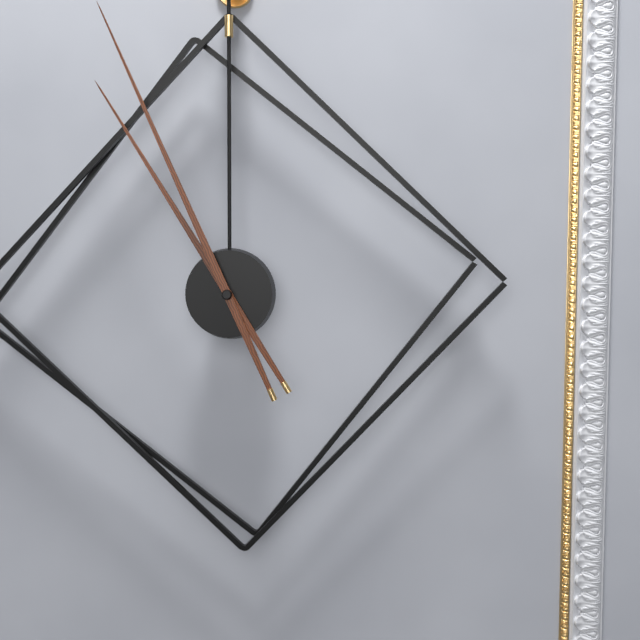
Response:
10.56
